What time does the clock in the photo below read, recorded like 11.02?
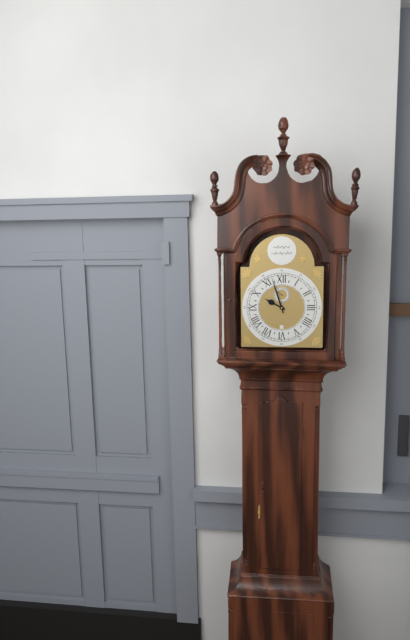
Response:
9.57
